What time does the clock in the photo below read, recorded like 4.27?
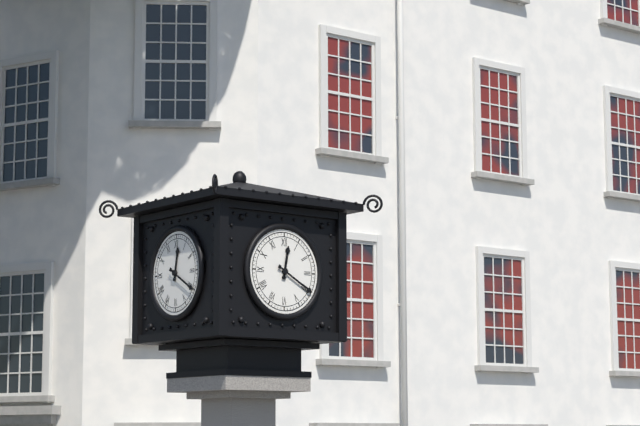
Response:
12.20
